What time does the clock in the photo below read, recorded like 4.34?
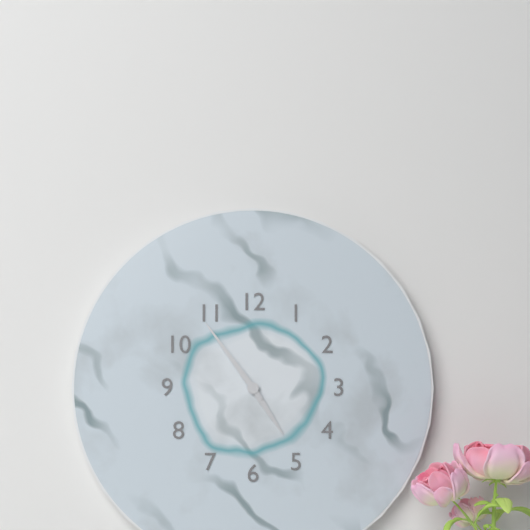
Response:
4.54
